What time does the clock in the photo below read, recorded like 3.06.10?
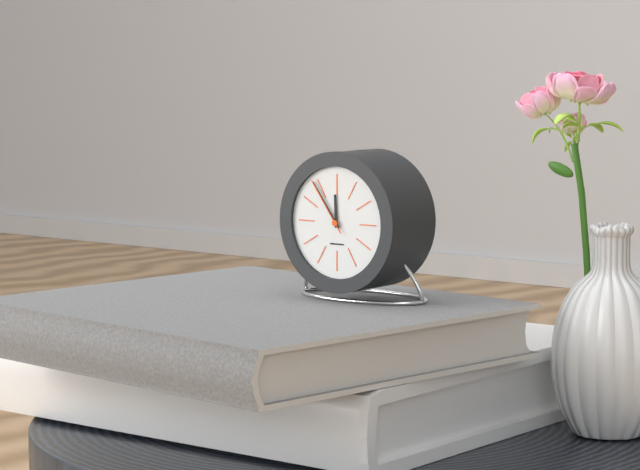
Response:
11.54.54
